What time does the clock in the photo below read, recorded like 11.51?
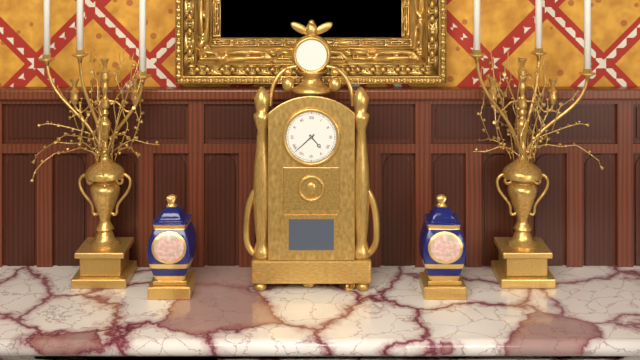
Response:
4.38
